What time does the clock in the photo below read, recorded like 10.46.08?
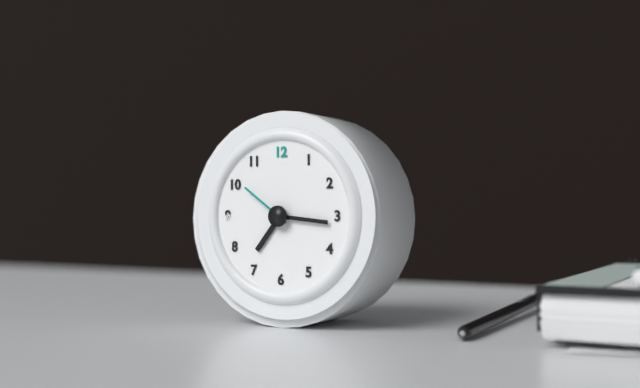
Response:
7.16.51
